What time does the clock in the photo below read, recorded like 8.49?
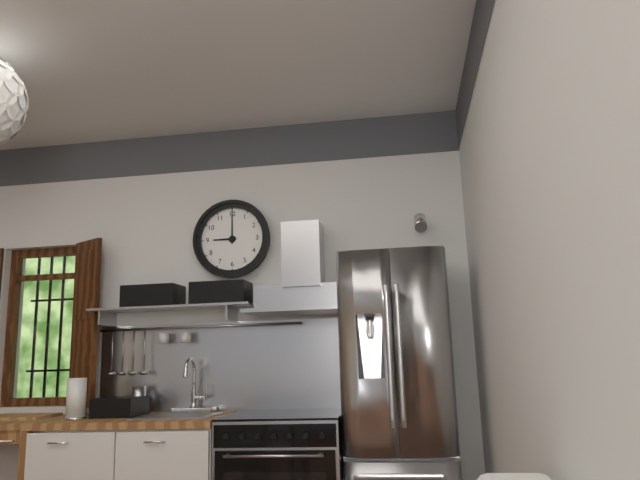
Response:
9.00
